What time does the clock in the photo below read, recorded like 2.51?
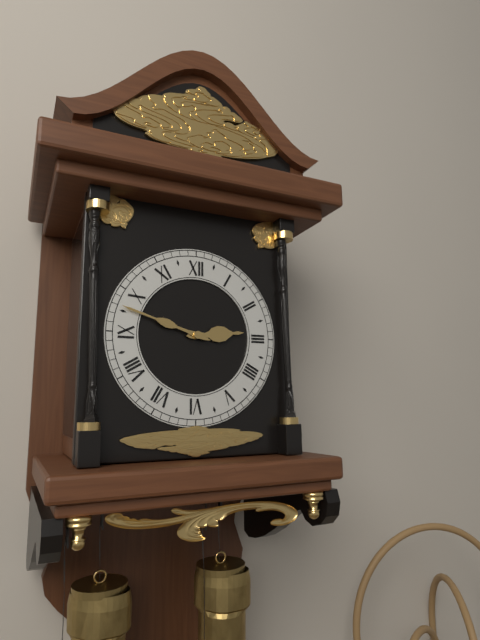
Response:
2.48
